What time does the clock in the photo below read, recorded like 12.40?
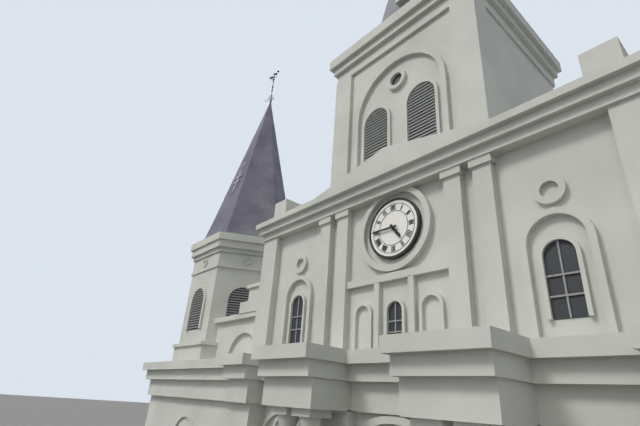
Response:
4.45
